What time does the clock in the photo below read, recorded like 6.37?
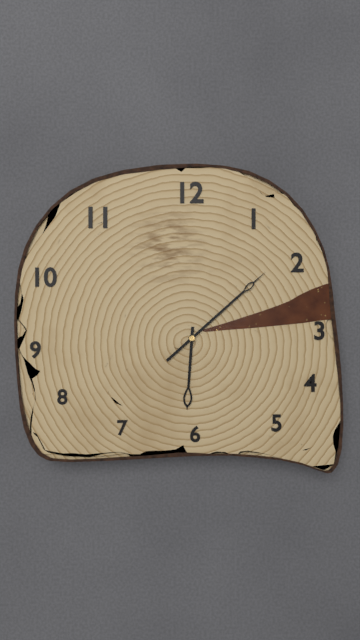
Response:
6.08
